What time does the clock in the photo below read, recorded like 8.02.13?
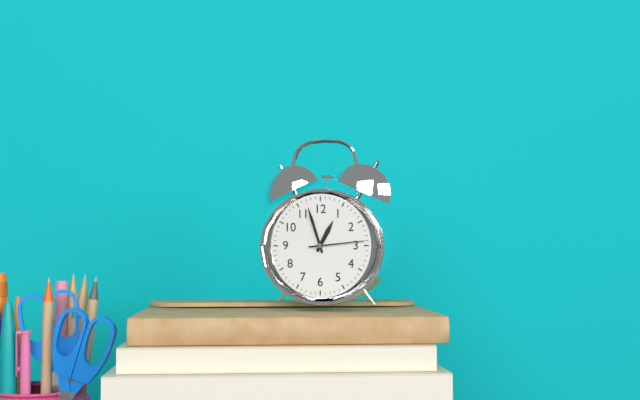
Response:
12.57.14
